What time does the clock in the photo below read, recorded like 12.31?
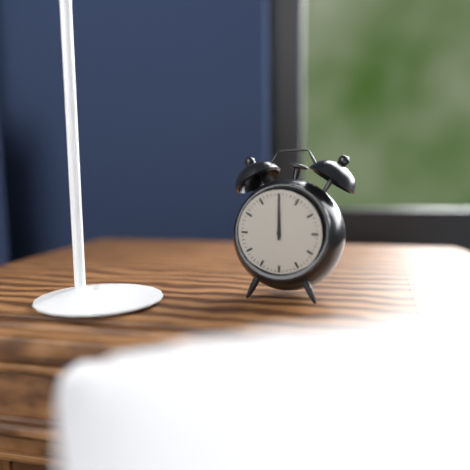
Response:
12.00
